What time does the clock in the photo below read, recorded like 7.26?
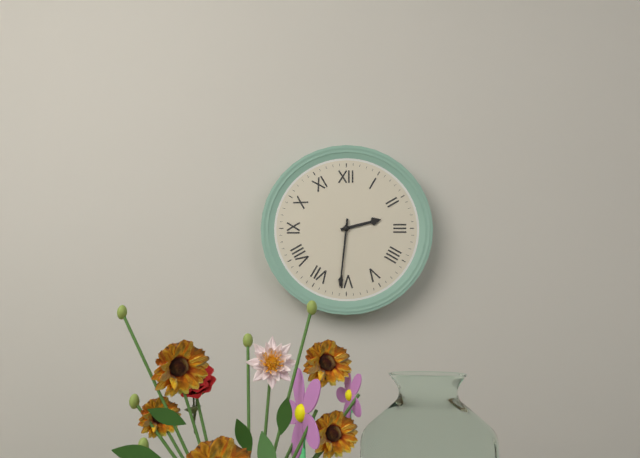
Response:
2.31
